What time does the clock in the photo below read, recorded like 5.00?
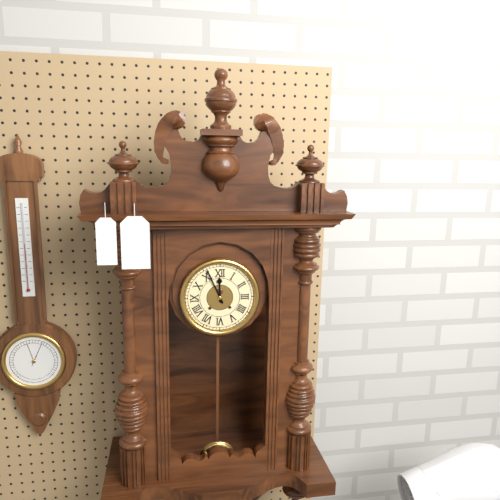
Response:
11.56
